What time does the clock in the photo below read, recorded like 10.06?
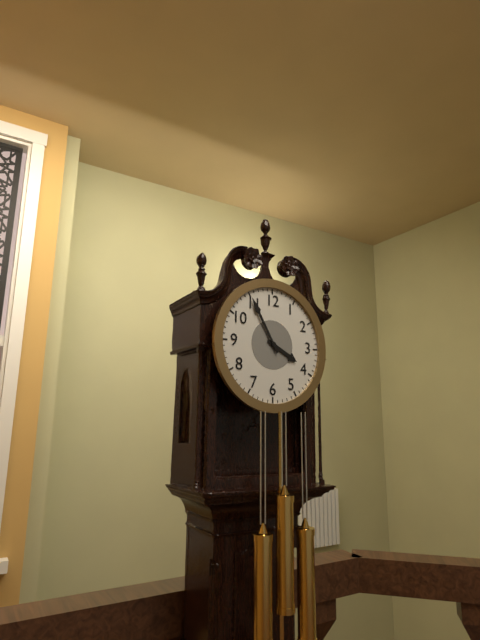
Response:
3.55
